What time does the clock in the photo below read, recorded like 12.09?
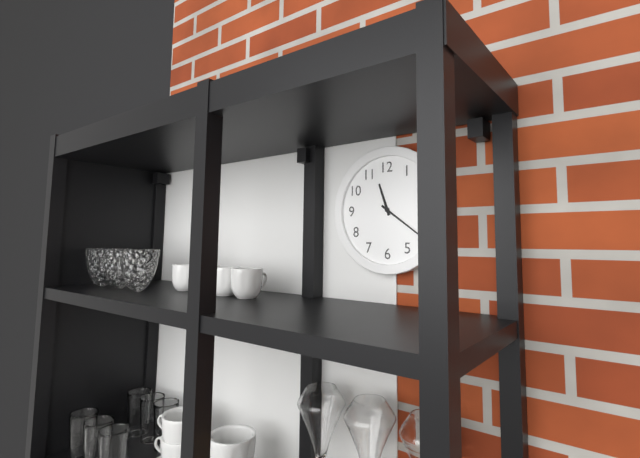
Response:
11.21
